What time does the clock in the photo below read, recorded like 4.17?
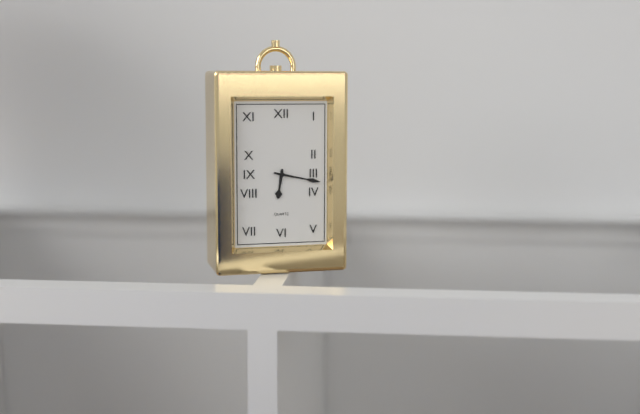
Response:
6.17
